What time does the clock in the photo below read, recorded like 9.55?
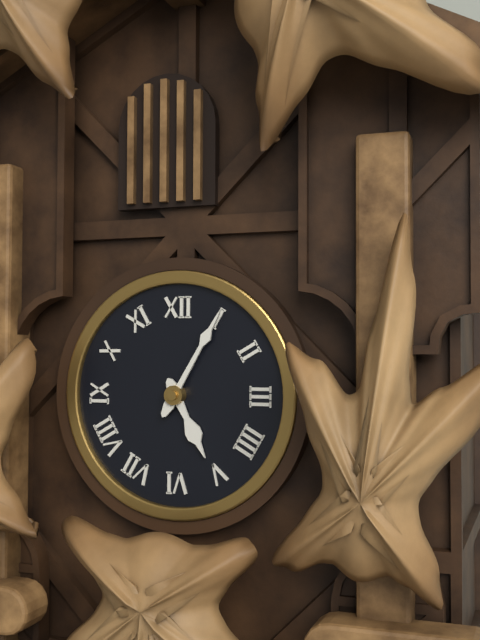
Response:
5.05
